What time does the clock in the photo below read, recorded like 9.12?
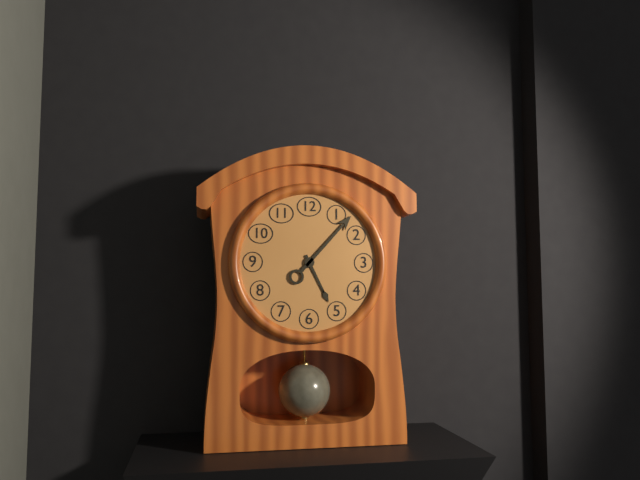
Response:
5.07
